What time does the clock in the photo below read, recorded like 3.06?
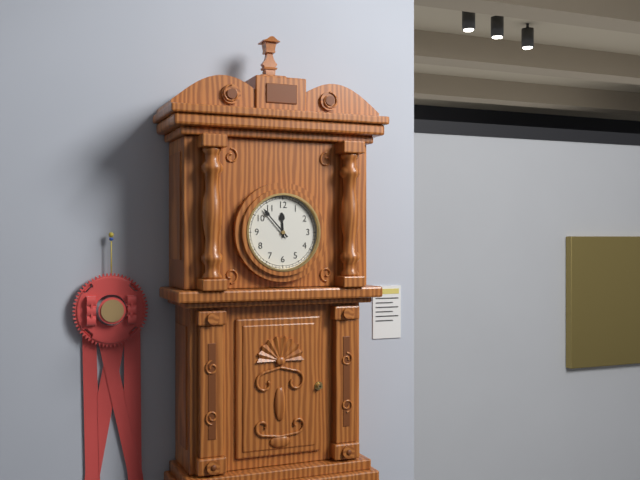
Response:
11.53
